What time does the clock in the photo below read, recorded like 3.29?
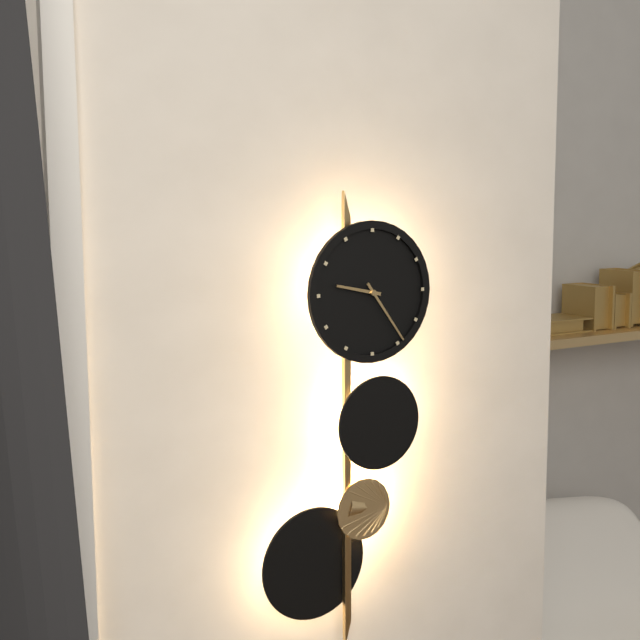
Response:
9.24
